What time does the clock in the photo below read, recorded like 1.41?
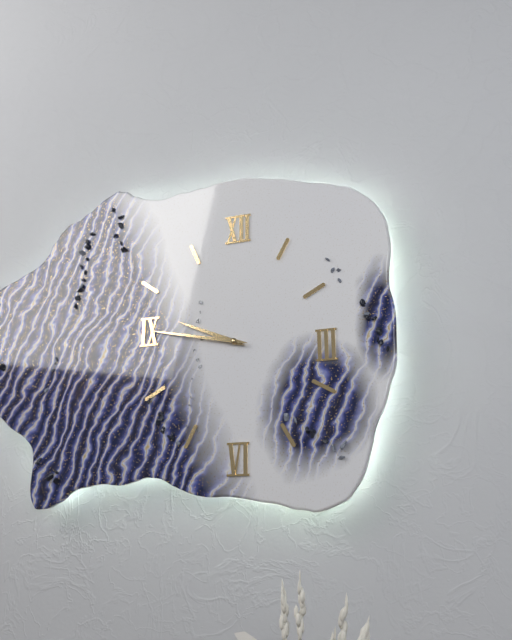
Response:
9.47
